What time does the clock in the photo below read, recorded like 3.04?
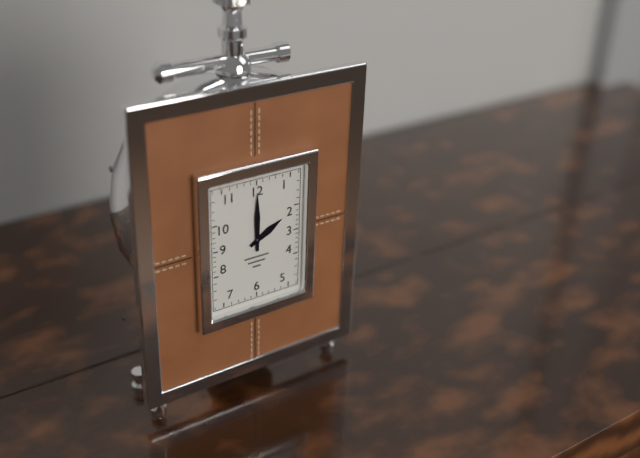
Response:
2.00
